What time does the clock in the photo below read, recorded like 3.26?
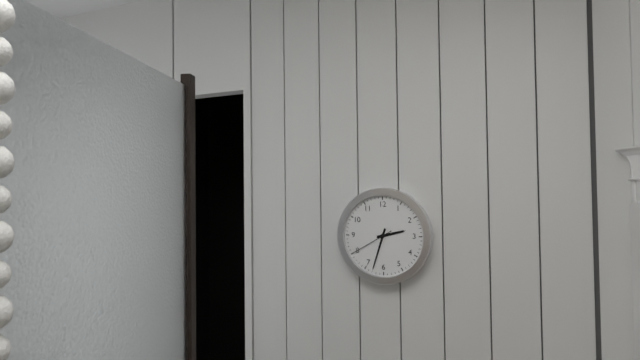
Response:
2.33
